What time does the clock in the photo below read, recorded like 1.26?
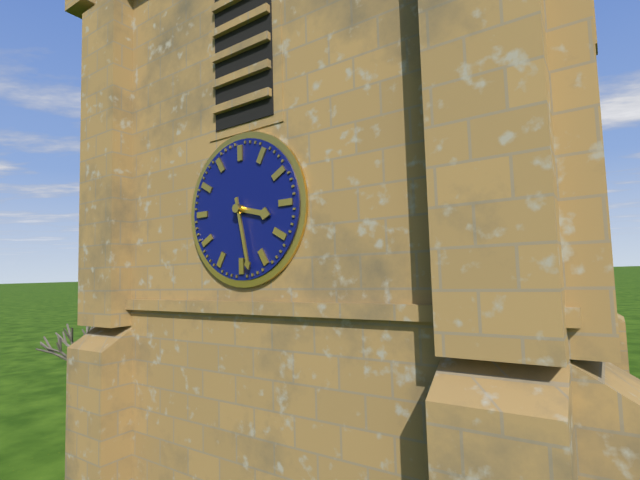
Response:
3.28
